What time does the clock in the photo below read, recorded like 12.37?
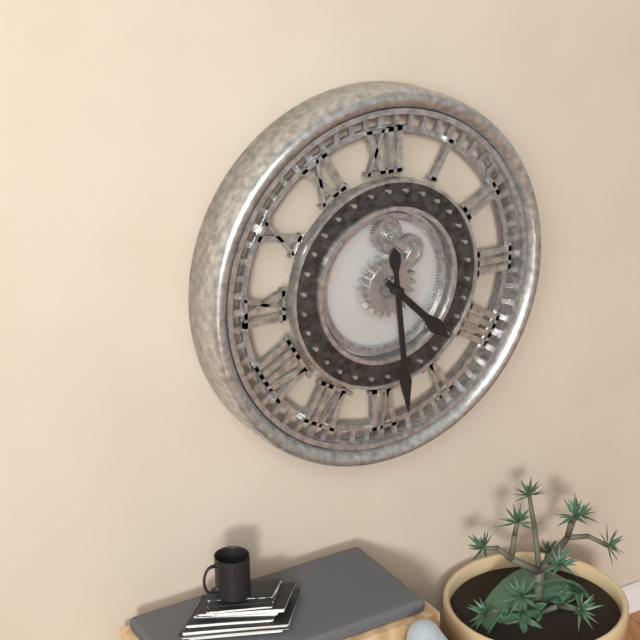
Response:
4.29
